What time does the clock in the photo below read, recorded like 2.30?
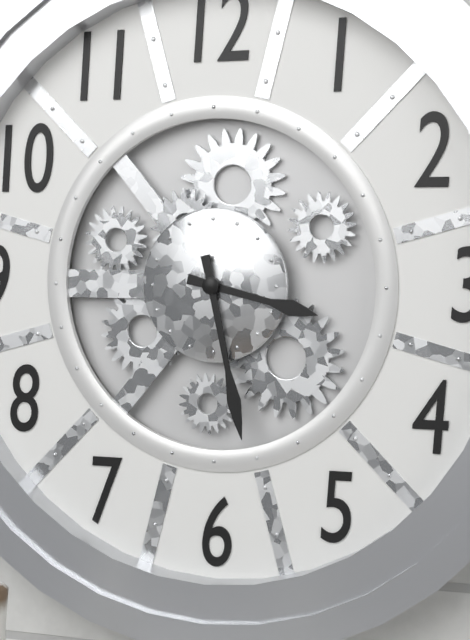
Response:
3.28
